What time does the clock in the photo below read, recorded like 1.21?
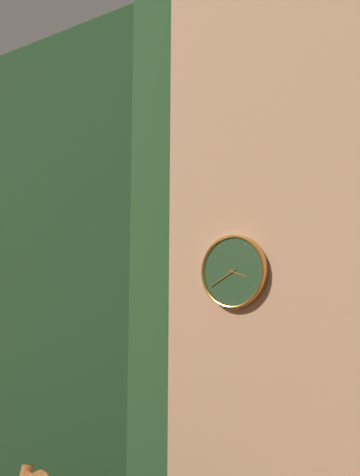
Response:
3.40
